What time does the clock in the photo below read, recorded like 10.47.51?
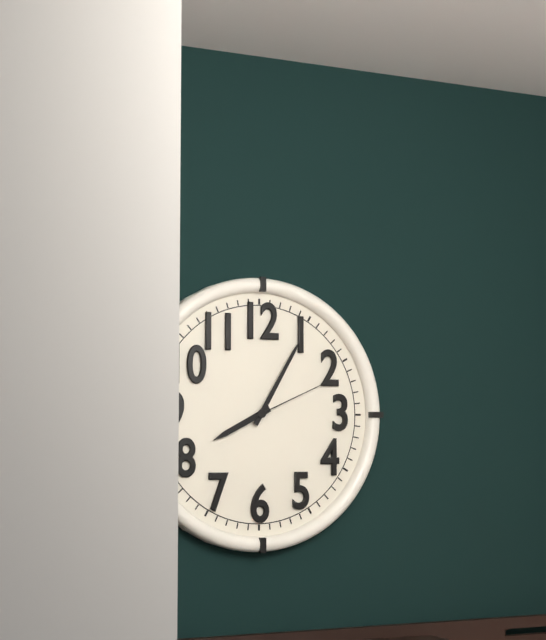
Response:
8.05.11
